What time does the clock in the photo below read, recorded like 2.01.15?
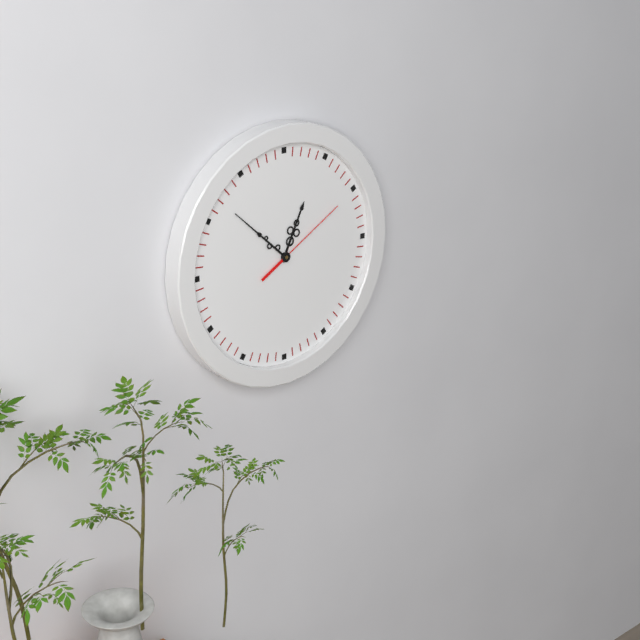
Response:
12.52.10
